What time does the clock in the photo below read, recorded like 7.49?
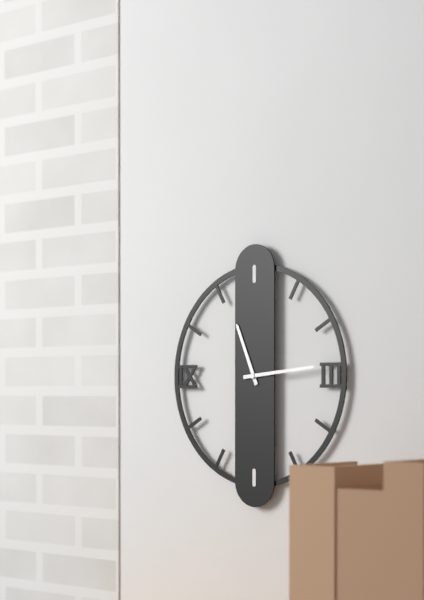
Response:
11.14
